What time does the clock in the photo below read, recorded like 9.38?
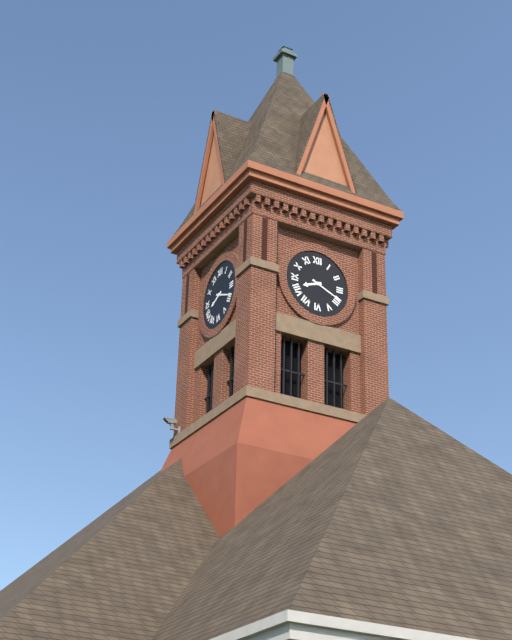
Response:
8.19
